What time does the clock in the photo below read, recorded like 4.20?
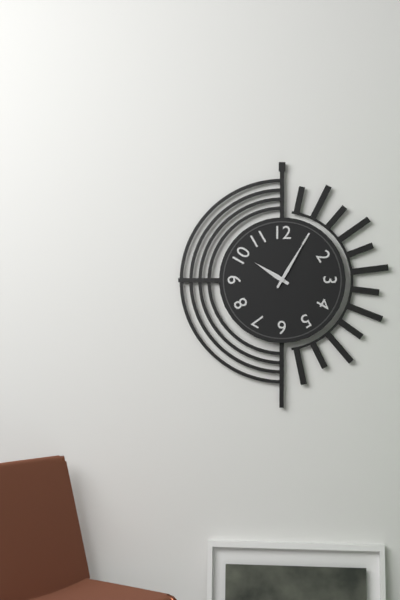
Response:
10.05
